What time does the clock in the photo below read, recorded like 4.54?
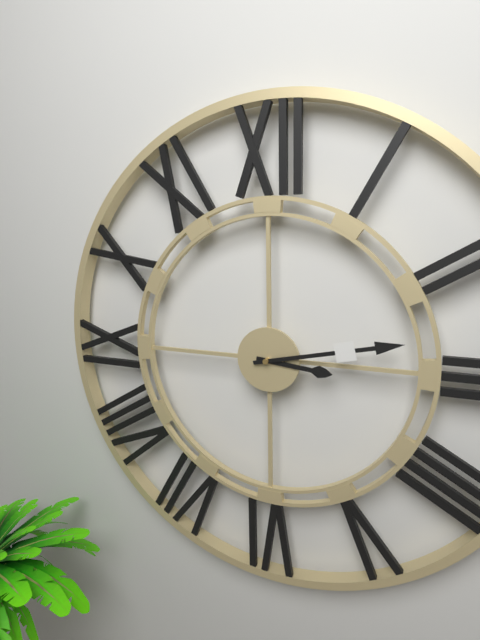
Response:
3.13
